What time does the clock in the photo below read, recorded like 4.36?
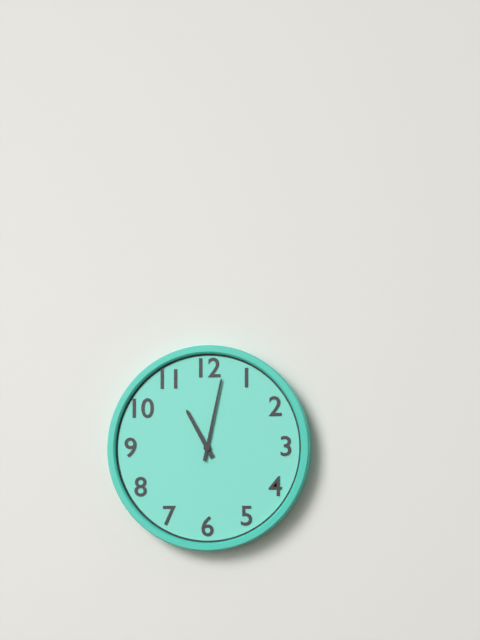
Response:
11.02
